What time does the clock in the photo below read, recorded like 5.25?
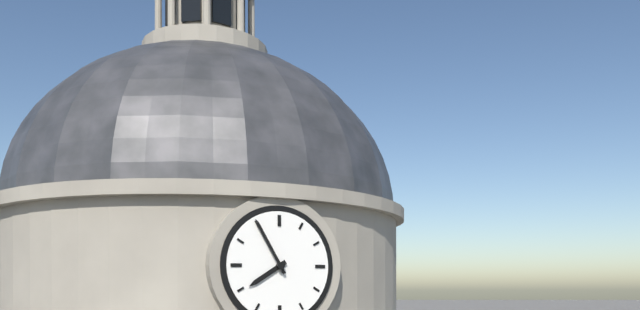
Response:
7.55
